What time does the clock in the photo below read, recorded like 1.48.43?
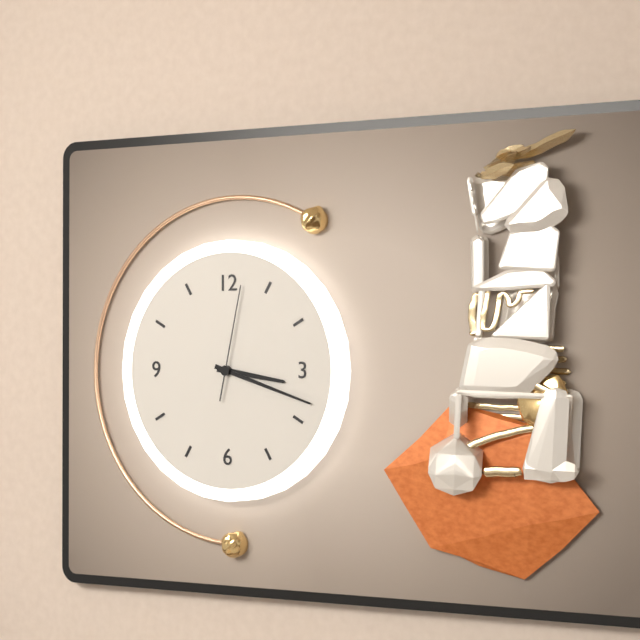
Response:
3.18.02
